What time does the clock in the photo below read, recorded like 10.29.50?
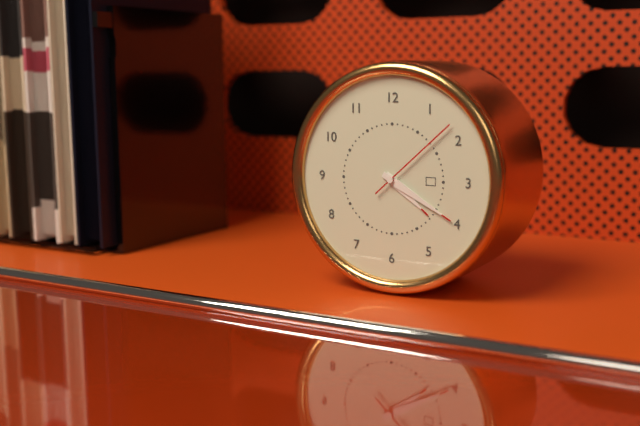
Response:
4.20.08
